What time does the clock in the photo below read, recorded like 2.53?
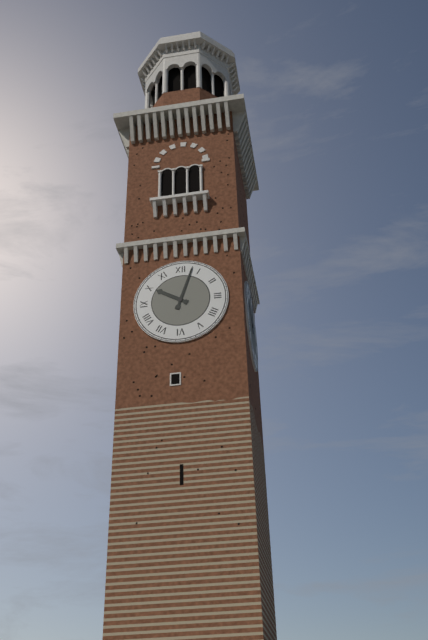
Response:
10.03
